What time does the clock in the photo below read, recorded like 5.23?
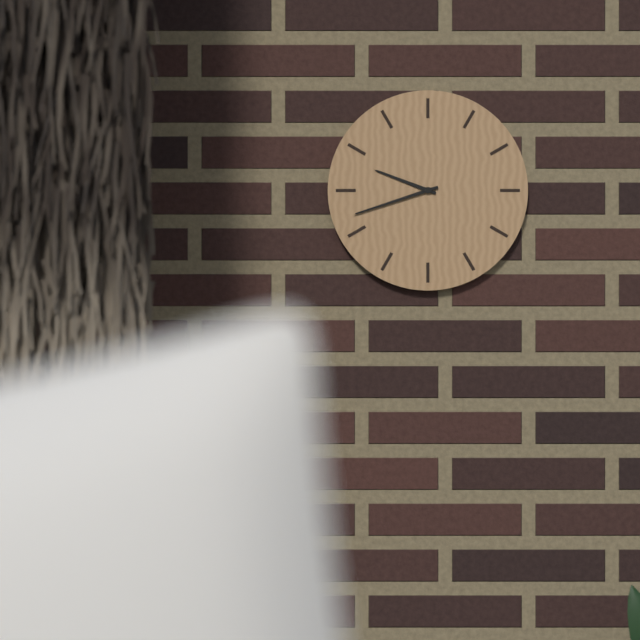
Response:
9.42
